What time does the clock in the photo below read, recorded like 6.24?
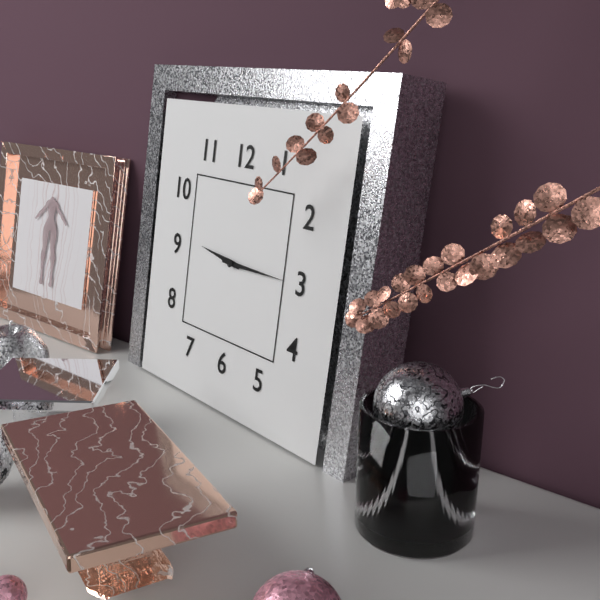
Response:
9.15
